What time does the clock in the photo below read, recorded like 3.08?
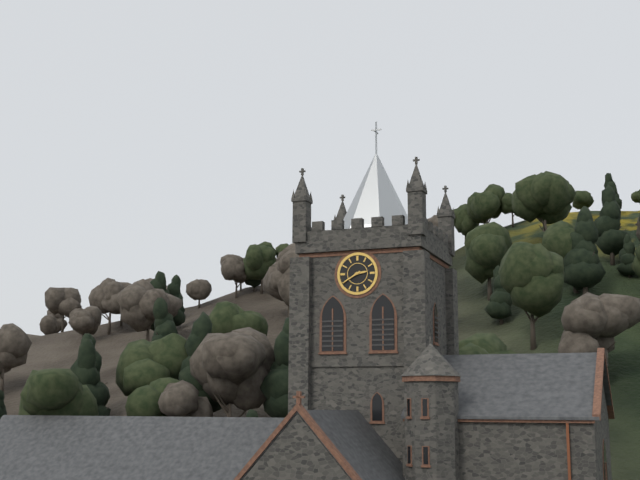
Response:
2.40
